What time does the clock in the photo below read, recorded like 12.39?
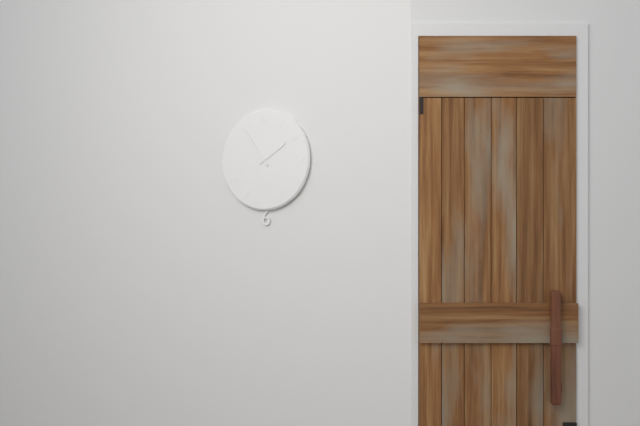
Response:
1.54
